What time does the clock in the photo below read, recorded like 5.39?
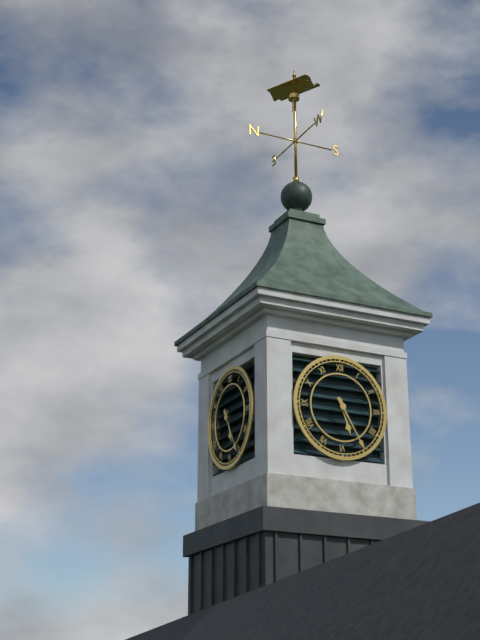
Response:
5.25
